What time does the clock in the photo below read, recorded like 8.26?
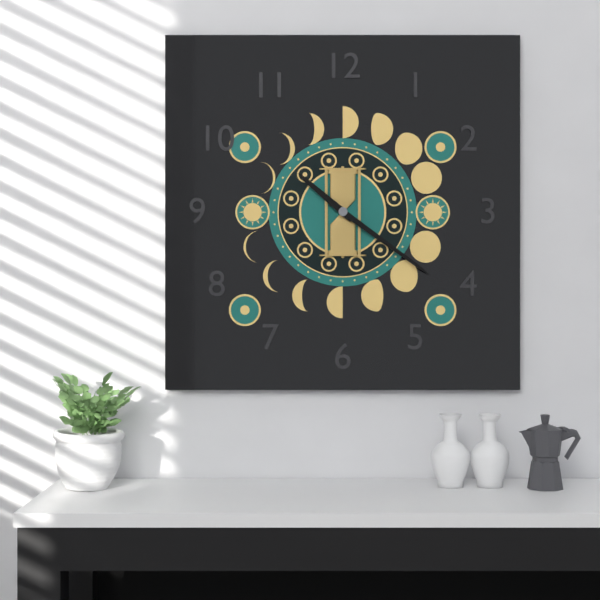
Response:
10.21
